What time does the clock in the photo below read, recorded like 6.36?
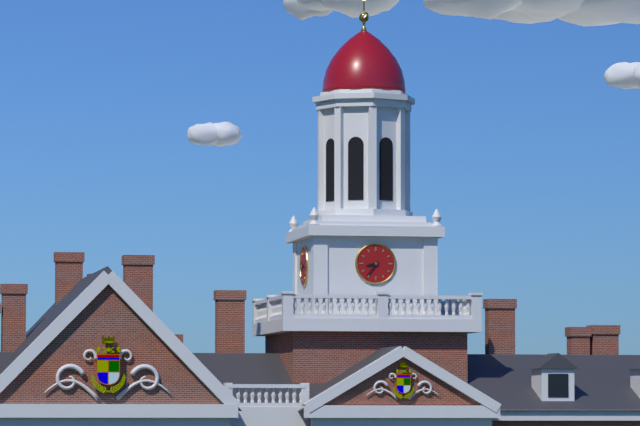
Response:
8.36
